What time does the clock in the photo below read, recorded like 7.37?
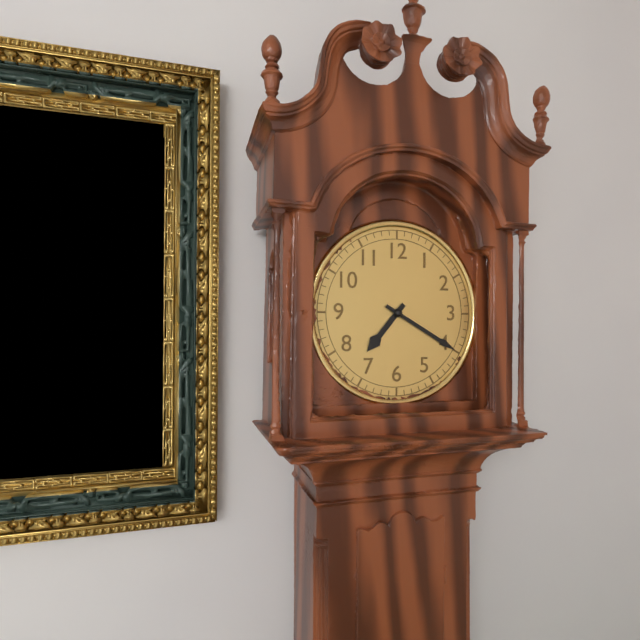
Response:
7.20
